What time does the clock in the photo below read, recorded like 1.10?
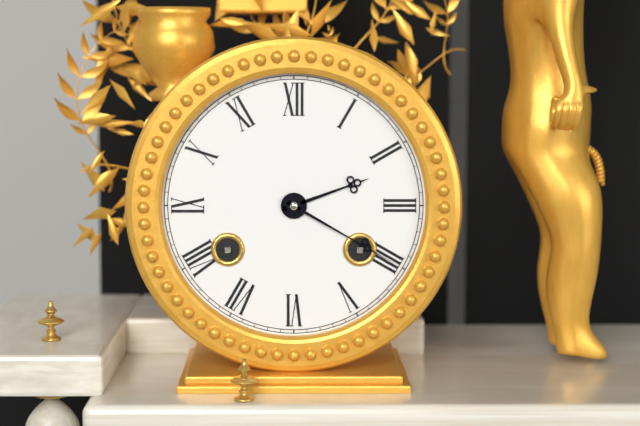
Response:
2.20
